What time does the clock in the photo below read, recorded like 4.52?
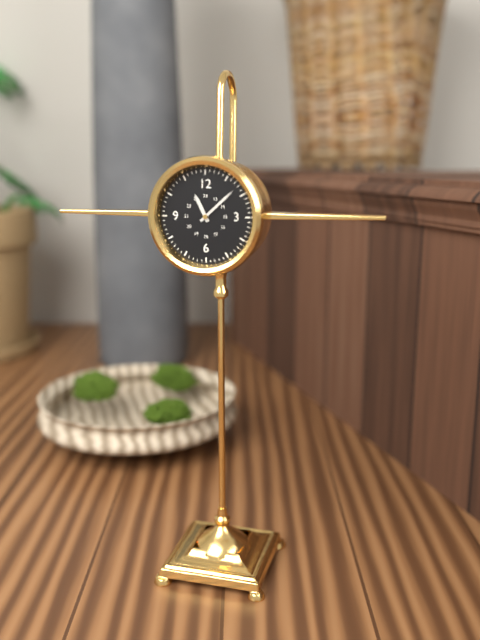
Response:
11.08
